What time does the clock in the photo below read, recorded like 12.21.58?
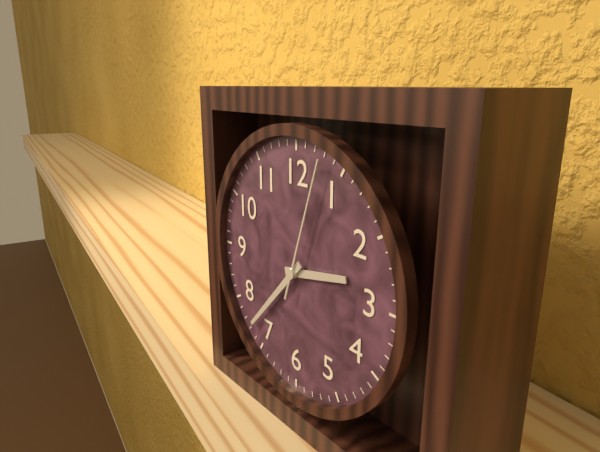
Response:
2.37.03
